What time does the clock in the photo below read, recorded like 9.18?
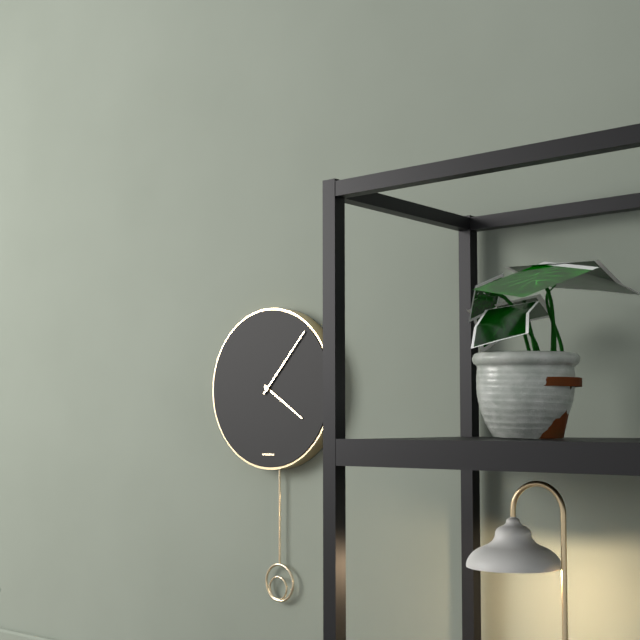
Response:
4.07
